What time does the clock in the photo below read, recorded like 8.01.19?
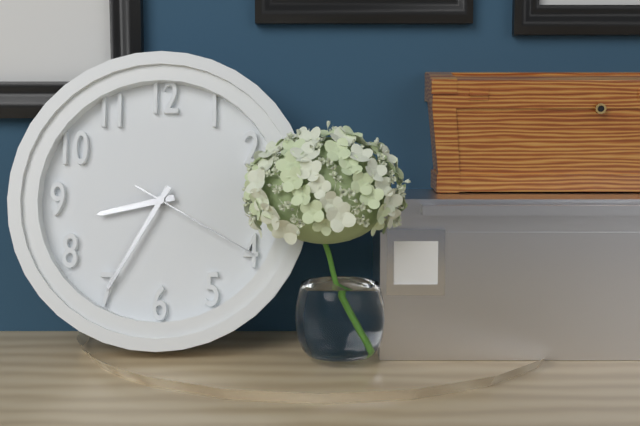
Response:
8.35.20
